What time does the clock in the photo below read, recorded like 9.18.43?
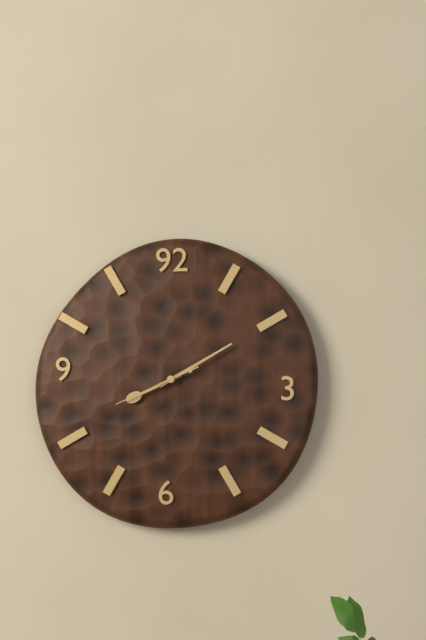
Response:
8.10.41
